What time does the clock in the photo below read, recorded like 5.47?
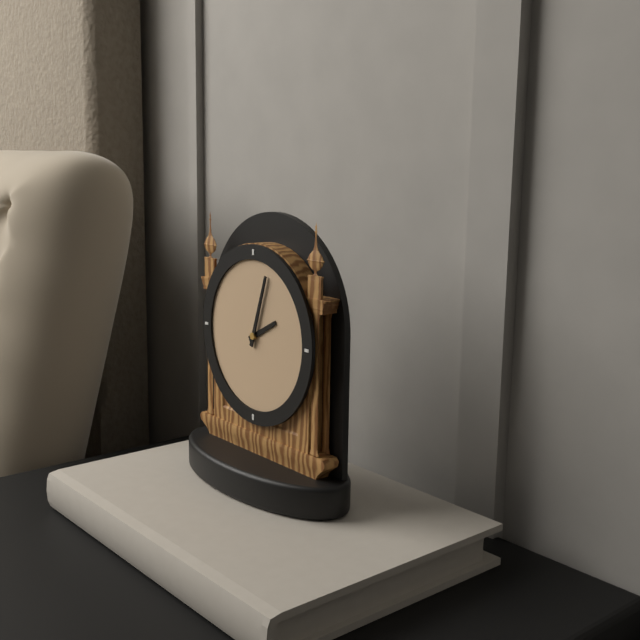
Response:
2.03
